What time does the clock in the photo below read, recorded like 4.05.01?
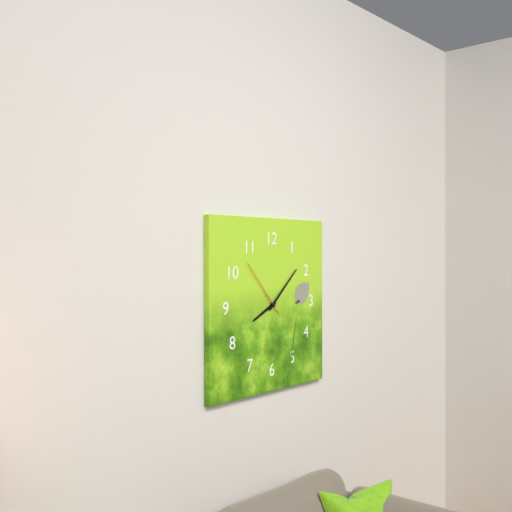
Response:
8.08.53
